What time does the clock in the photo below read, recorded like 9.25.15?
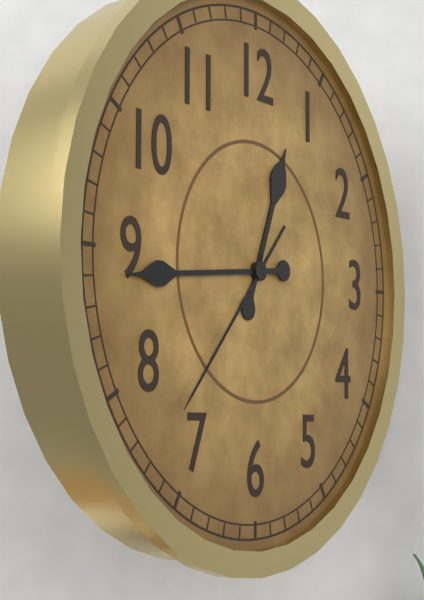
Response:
12.44.37
